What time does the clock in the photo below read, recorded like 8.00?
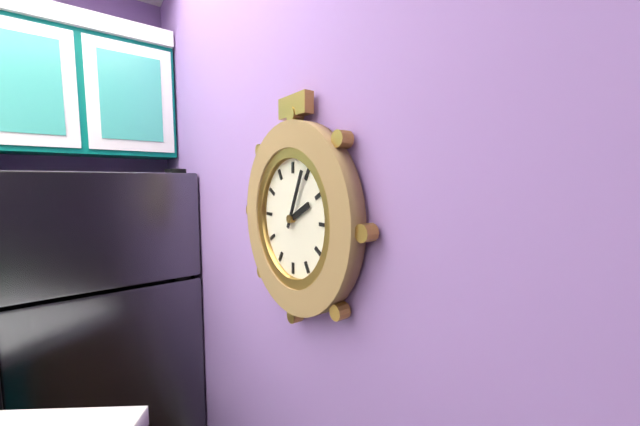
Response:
2.04
